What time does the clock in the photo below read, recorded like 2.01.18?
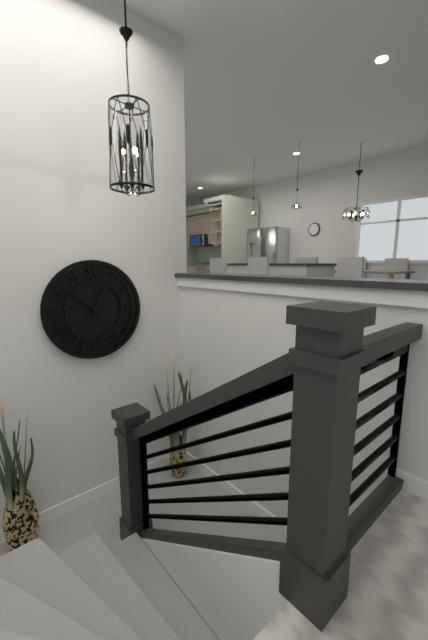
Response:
12.52.24
